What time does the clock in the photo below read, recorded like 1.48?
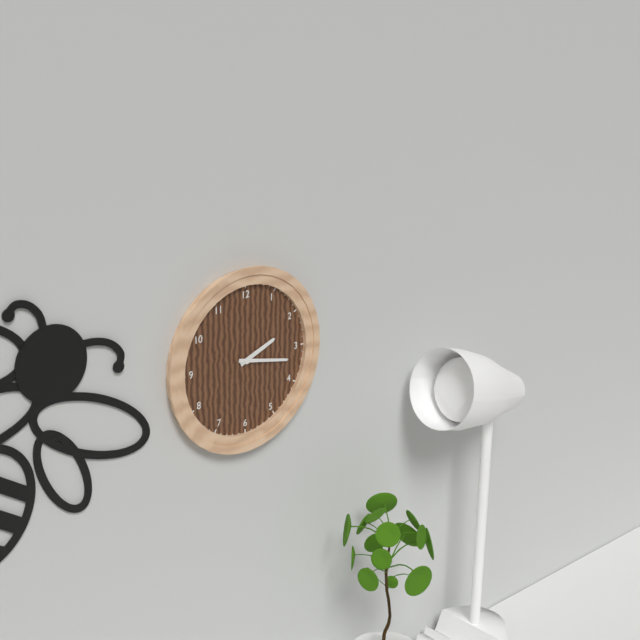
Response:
2.17
